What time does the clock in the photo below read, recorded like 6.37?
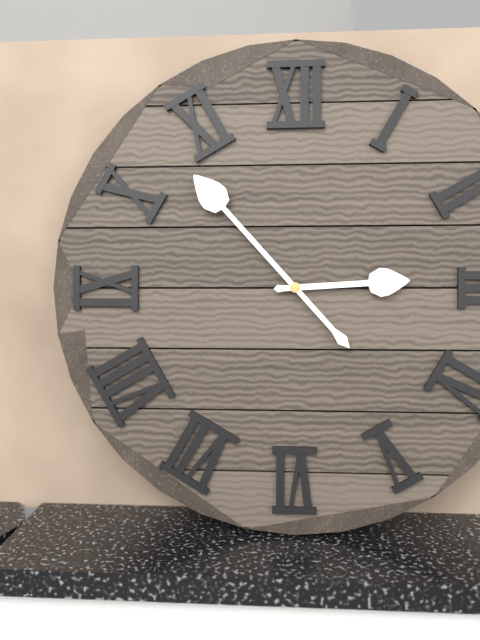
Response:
2.53
